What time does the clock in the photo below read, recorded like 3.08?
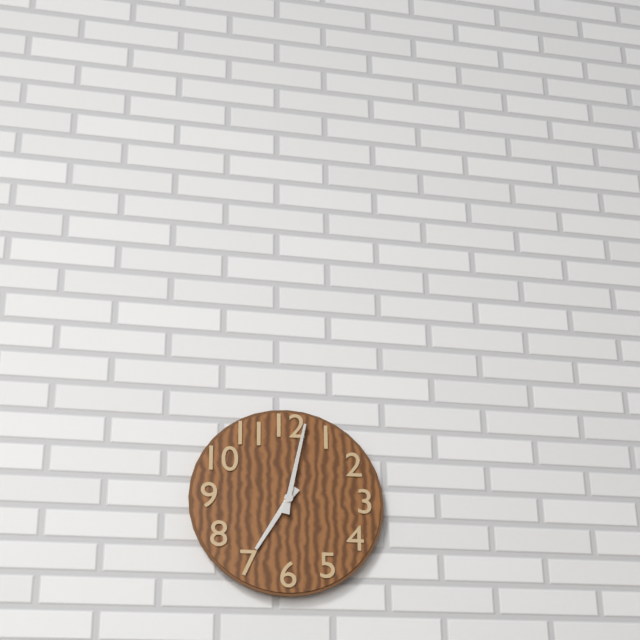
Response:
7.02
